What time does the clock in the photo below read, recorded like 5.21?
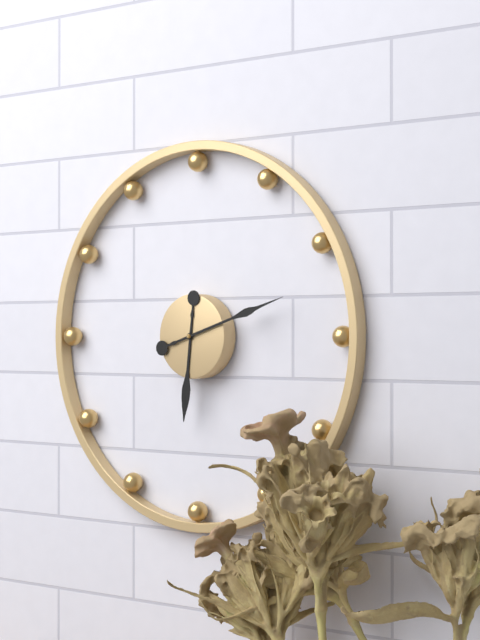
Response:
6.12
